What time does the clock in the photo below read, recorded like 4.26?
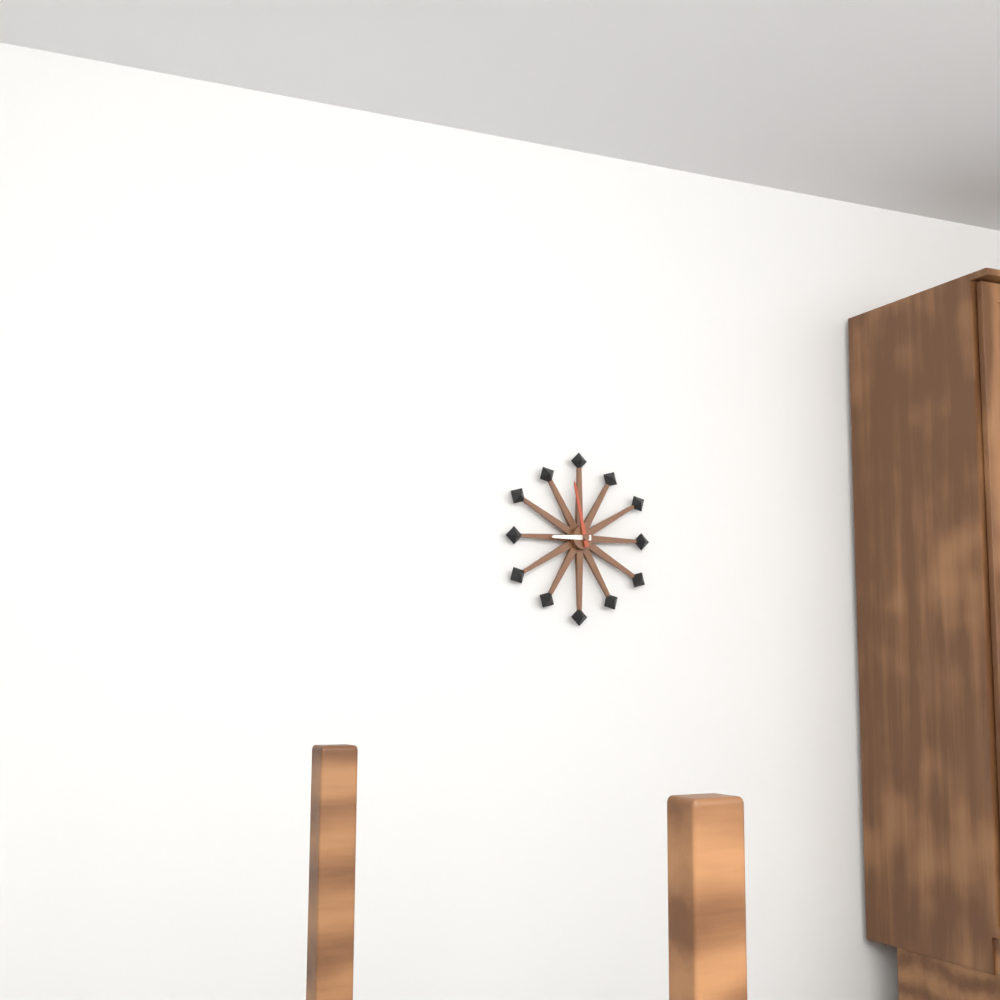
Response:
8.58
